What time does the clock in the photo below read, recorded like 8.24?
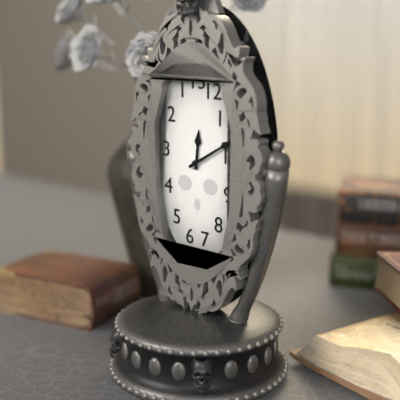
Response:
12.10
